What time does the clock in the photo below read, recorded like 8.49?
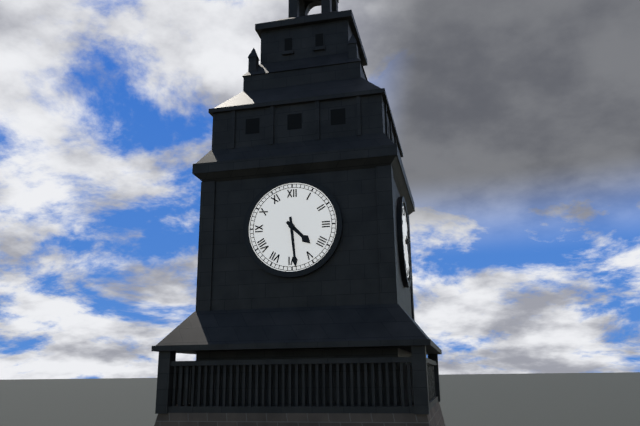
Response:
4.29
